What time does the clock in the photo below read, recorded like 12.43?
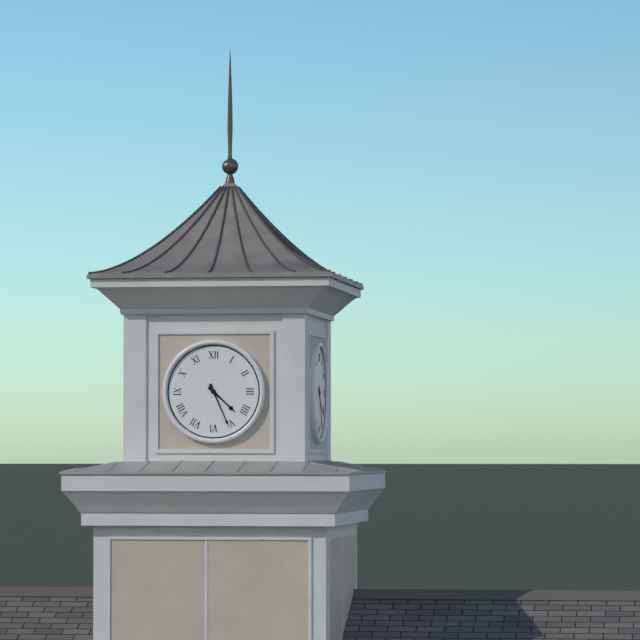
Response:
4.26
